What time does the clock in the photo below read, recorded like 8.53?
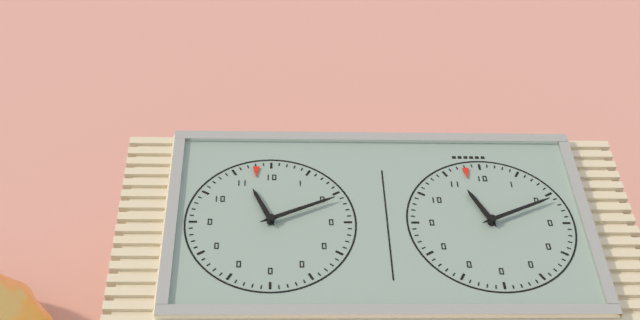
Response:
11.11
